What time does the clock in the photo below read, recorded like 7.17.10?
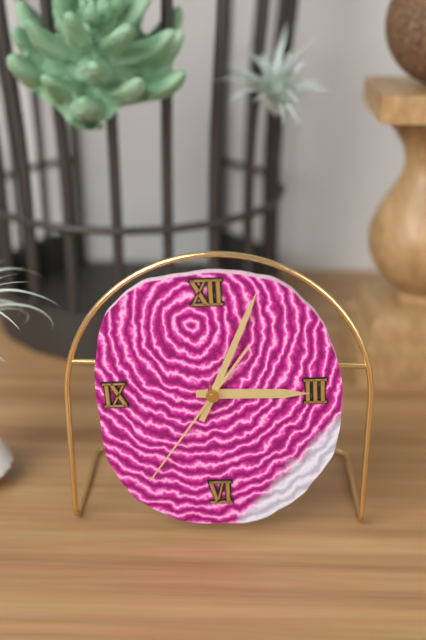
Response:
3.04.36
